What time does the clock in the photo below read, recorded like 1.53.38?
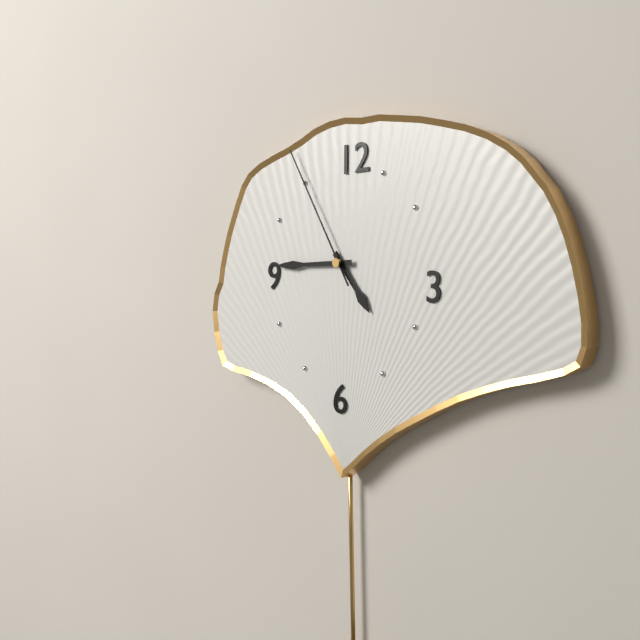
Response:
4.45.55
